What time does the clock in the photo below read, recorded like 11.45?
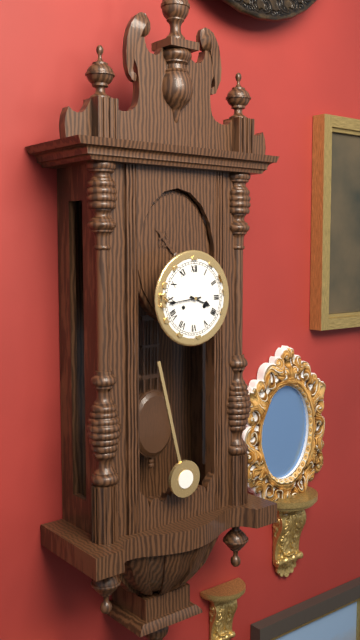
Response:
3.44
